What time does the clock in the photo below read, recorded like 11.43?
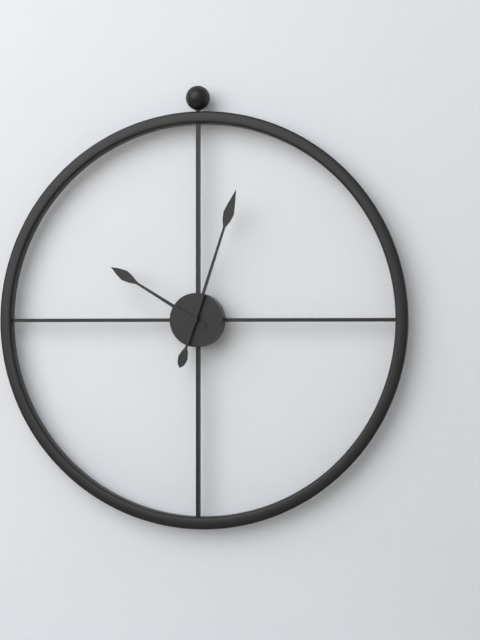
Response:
10.03
